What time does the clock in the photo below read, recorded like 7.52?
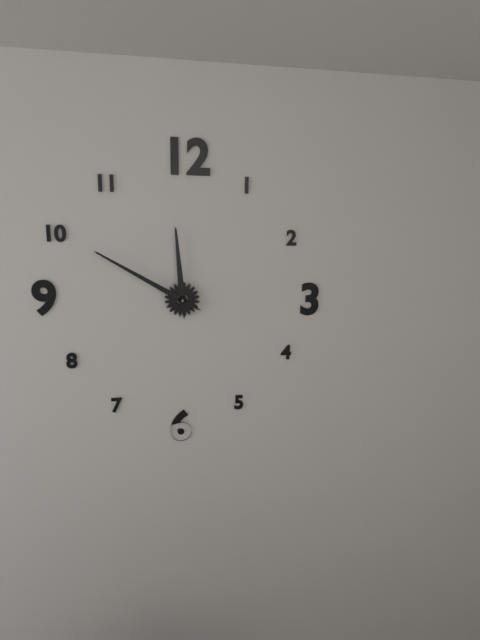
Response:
11.50
